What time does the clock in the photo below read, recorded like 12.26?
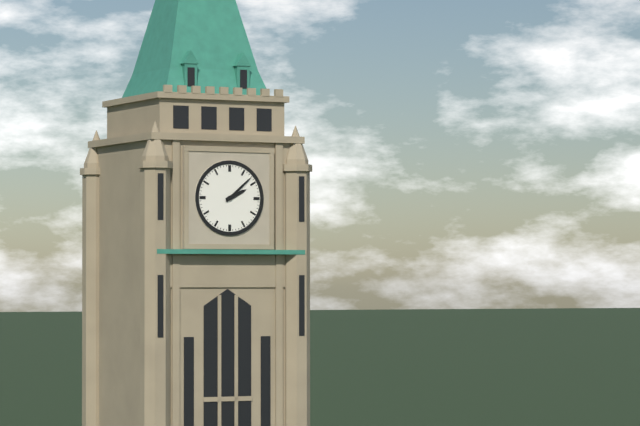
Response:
2.08
